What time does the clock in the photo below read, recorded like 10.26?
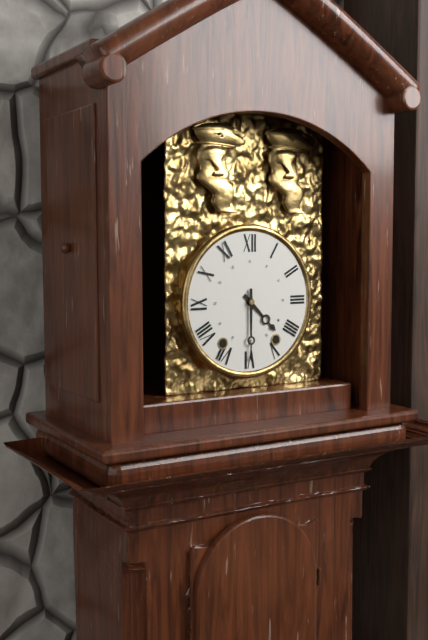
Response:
4.30
